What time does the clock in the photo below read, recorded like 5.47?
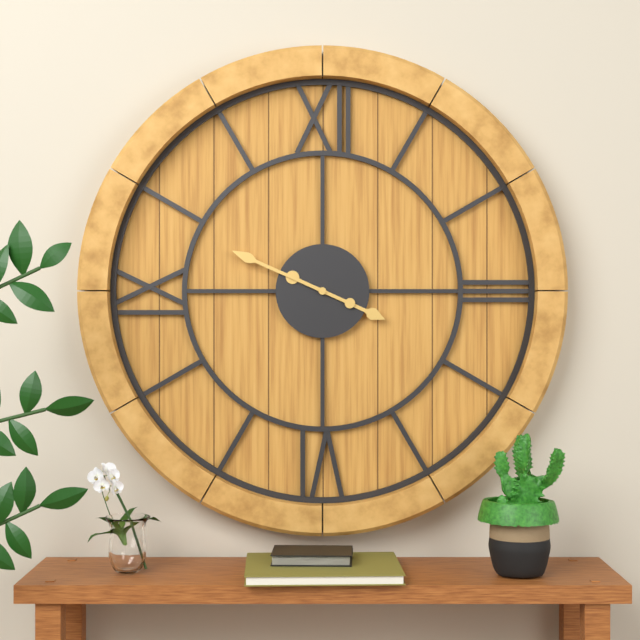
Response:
3.49
